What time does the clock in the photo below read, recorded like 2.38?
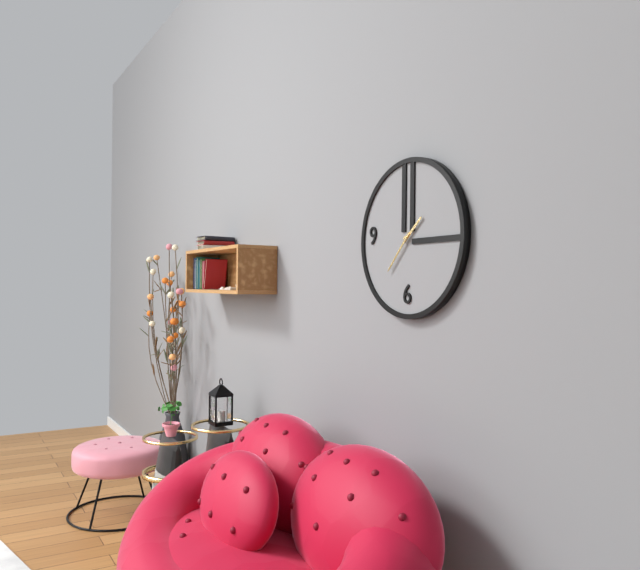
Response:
1.37
